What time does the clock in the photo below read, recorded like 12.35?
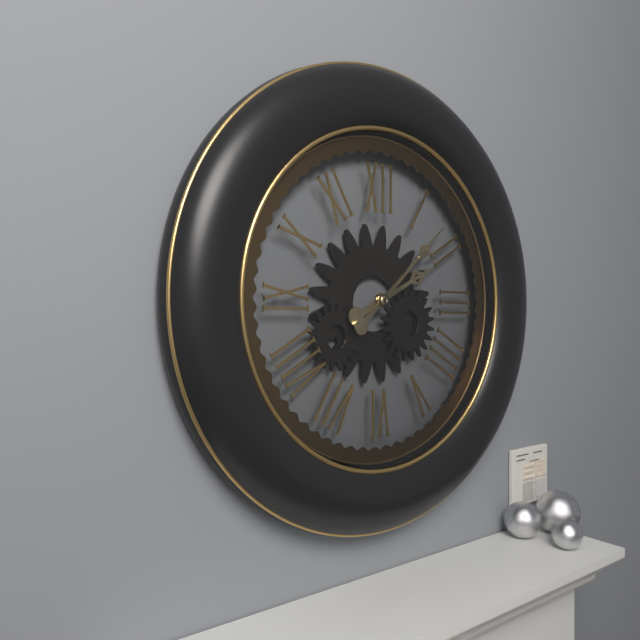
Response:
2.08
